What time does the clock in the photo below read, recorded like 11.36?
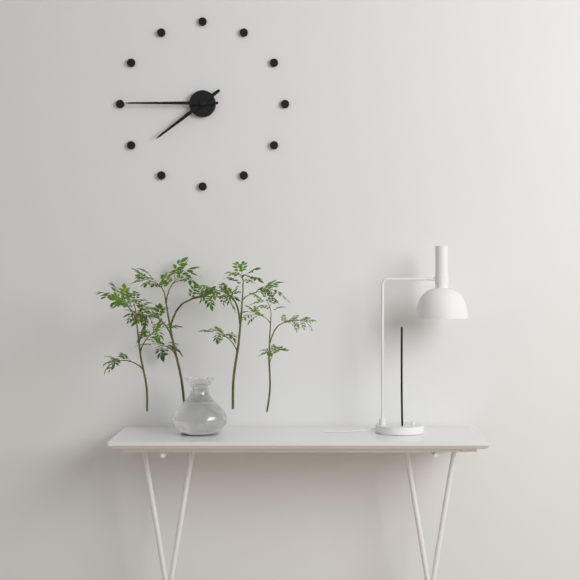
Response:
7.45
